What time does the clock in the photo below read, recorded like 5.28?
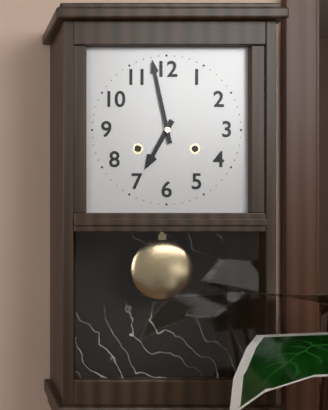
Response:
6.58
